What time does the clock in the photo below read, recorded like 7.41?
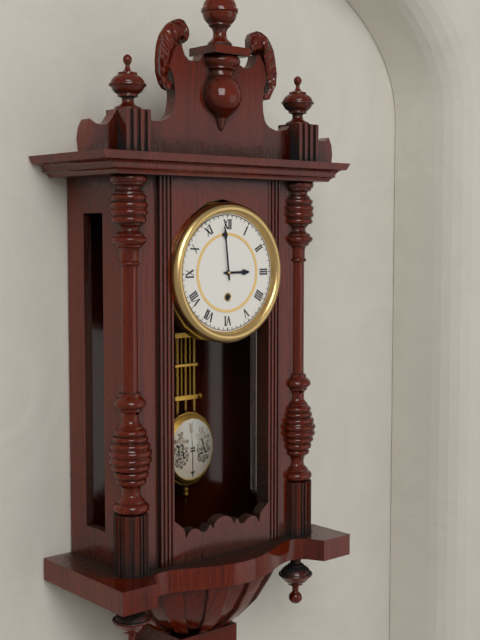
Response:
2.59
